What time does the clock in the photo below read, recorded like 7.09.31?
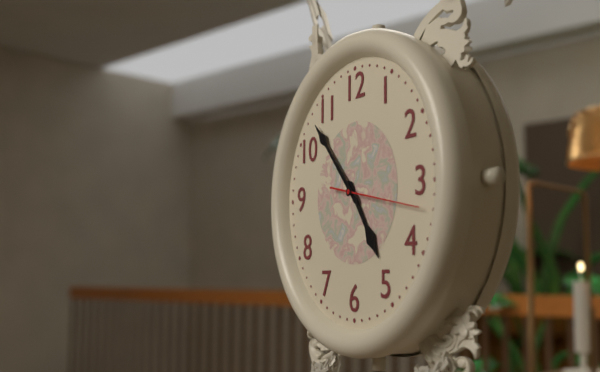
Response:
4.53.17
